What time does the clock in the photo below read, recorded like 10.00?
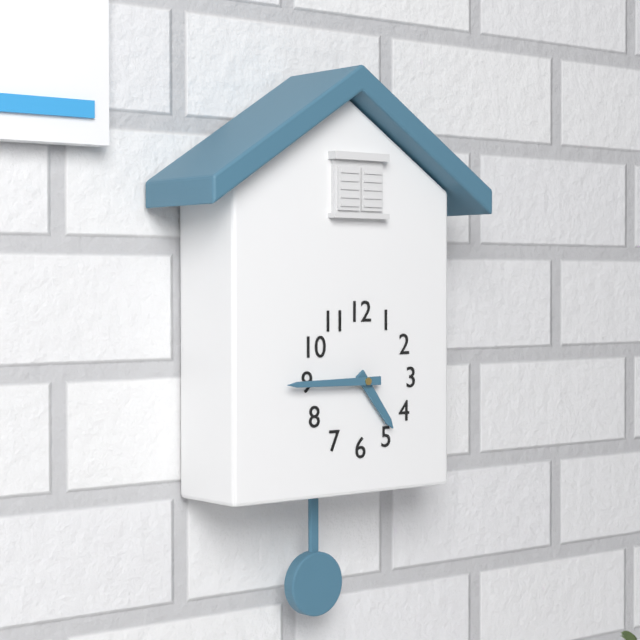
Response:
4.45
